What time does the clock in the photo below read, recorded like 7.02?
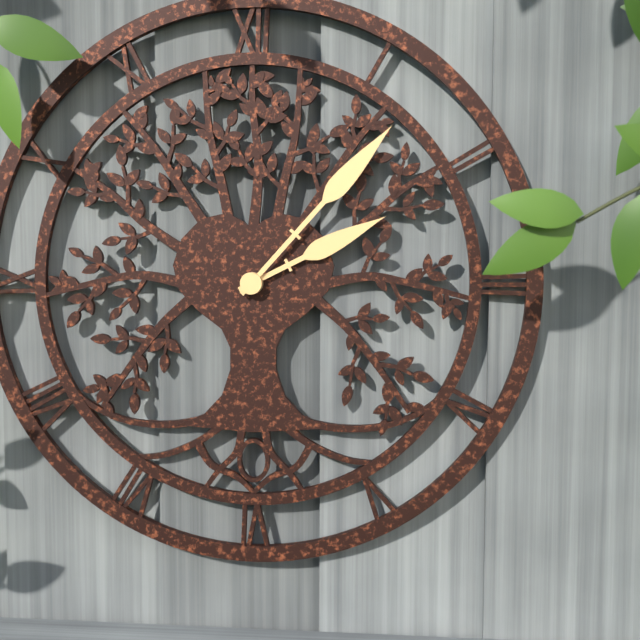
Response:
2.07
